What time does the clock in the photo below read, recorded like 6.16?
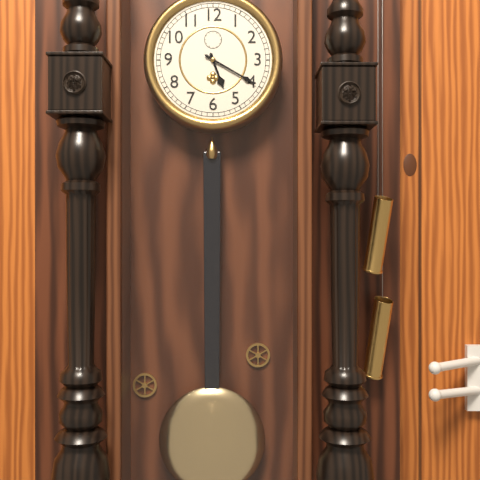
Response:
5.20
